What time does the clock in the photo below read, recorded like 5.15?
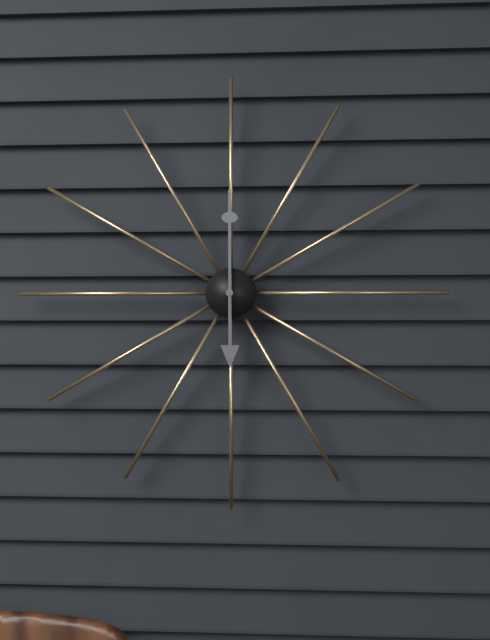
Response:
6.00
